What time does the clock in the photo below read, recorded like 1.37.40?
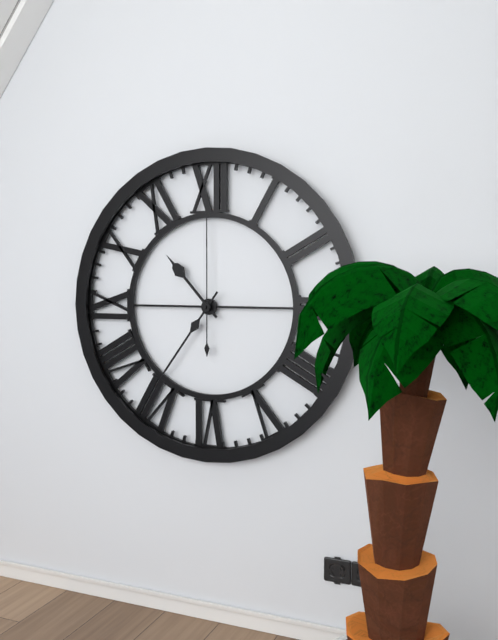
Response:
10.36.00
